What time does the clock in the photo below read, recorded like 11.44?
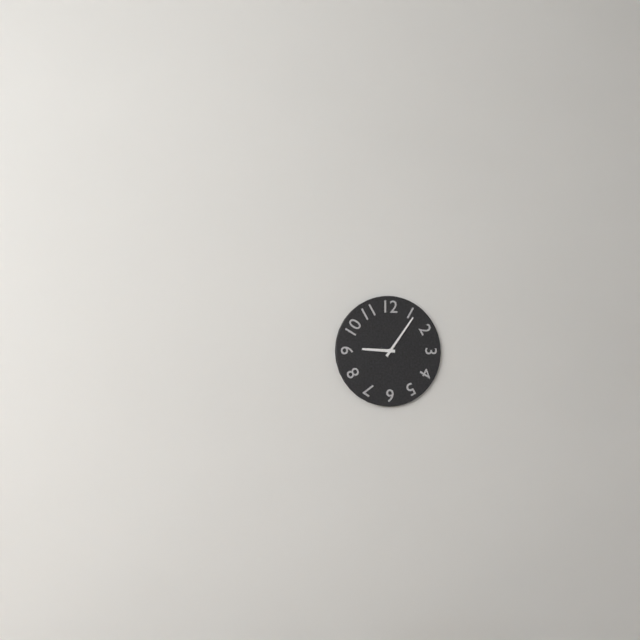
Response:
9.06
